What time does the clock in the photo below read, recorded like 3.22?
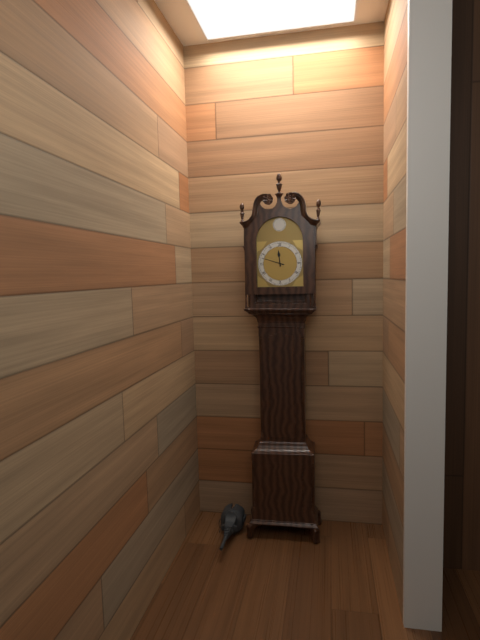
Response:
11.48
